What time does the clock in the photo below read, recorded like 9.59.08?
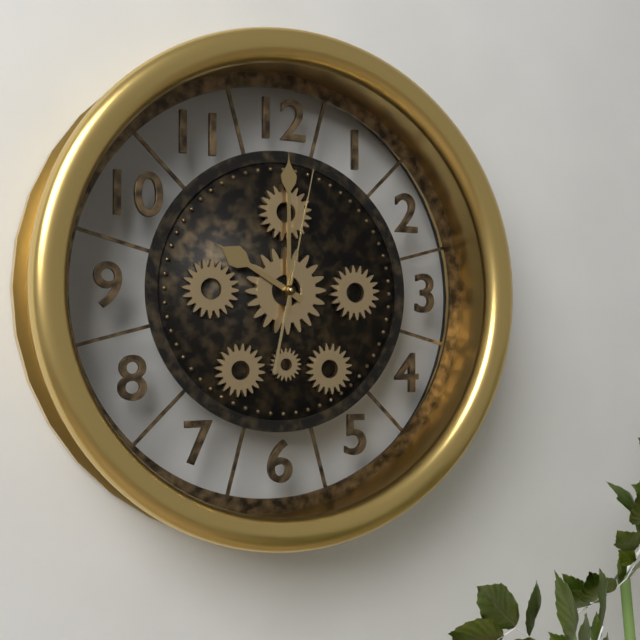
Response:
10.00.02
